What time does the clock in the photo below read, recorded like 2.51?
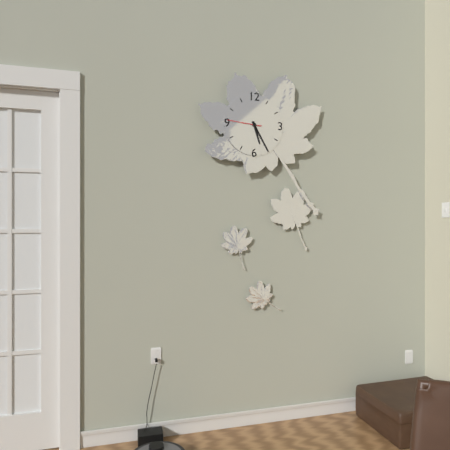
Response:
5.25
